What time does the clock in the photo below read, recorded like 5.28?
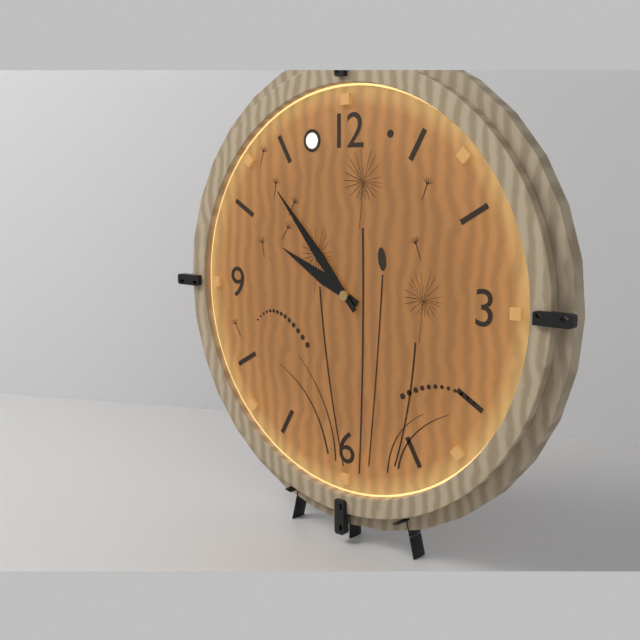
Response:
9.53
